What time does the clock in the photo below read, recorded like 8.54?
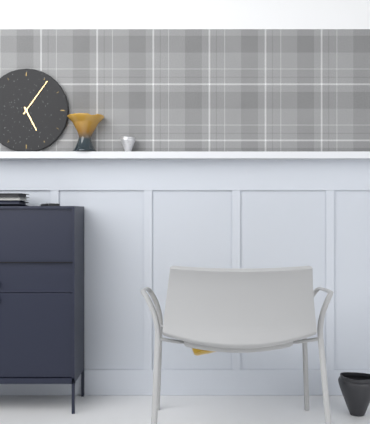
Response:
5.06
